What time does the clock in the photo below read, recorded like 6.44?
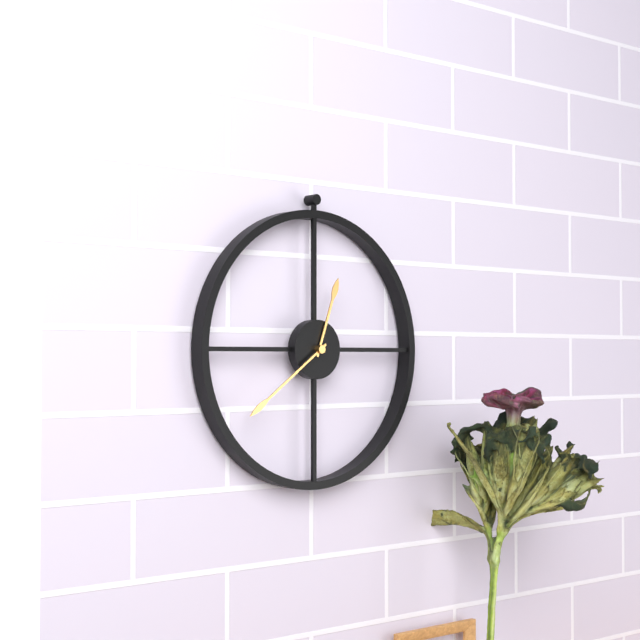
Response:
12.39
